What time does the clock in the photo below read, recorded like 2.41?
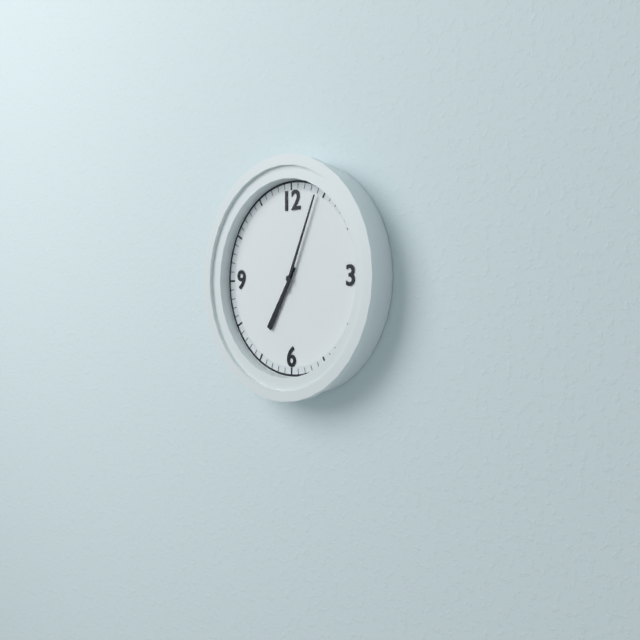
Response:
7.04
